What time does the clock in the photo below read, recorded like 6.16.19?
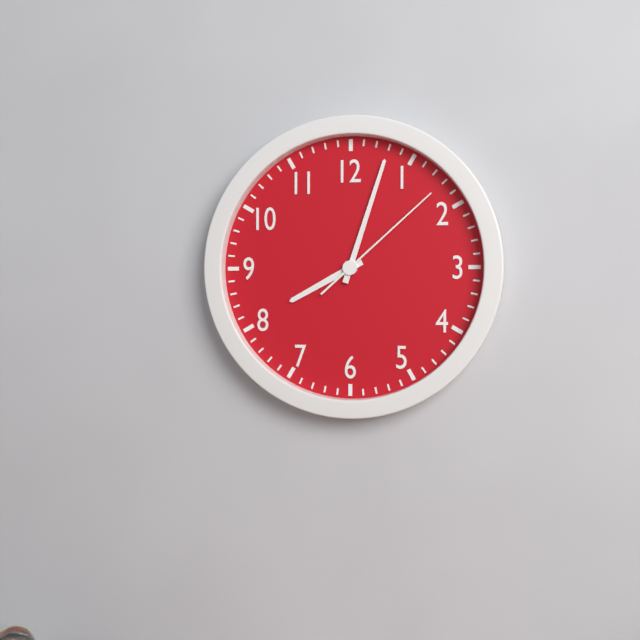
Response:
8.03.08
